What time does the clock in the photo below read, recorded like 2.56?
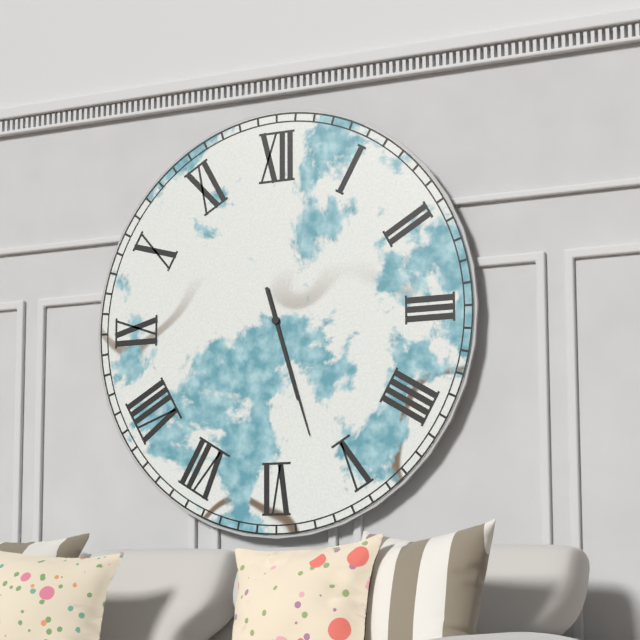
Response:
5.27
